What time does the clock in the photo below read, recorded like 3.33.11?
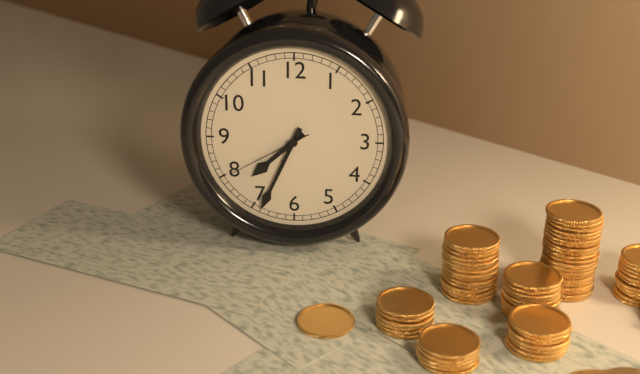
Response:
7.34.40
